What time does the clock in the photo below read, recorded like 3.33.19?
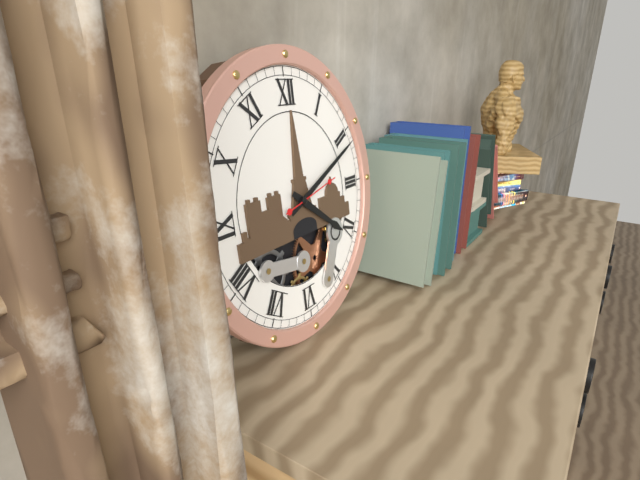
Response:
4.11.13
